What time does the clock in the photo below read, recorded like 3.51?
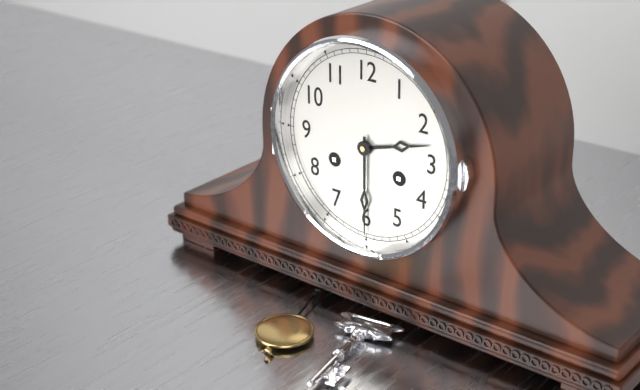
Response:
2.30
